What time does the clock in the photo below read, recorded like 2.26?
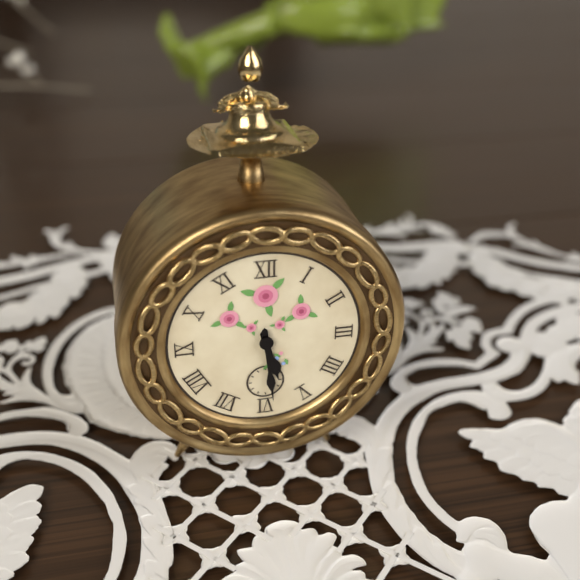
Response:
5.29
